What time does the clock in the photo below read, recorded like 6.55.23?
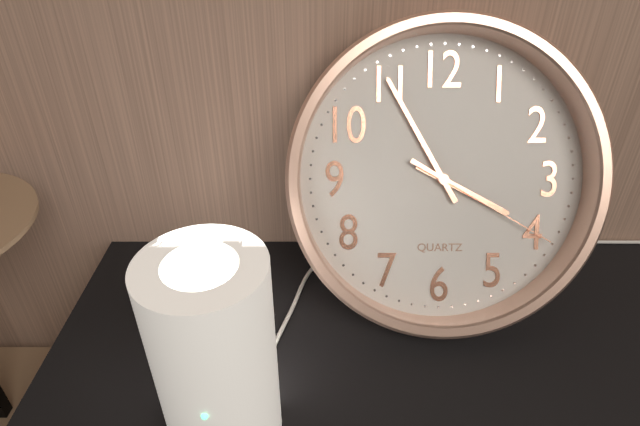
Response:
3.55.20
